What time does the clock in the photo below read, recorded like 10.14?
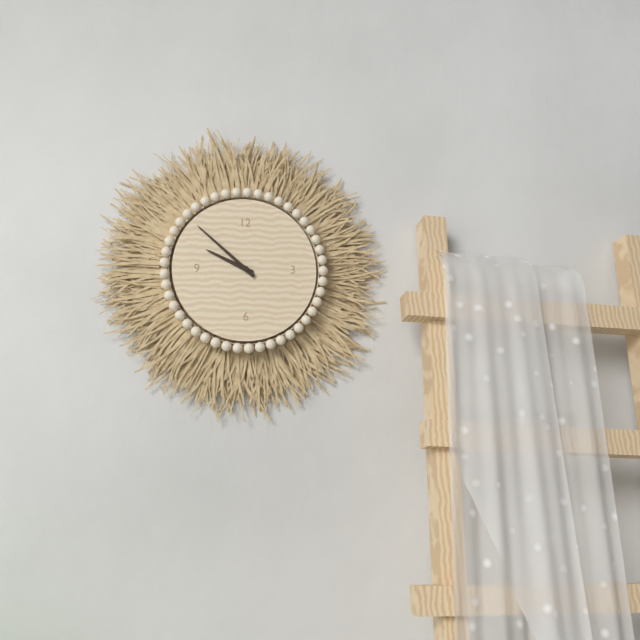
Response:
9.52
